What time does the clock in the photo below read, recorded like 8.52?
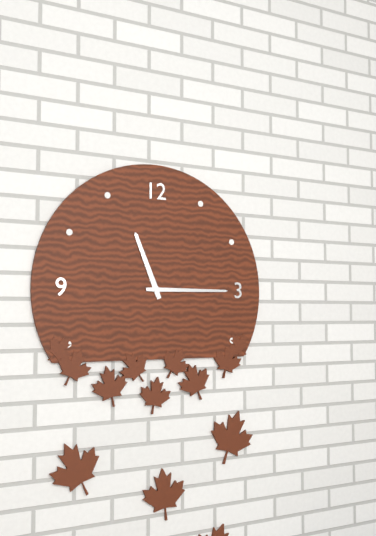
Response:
11.15
